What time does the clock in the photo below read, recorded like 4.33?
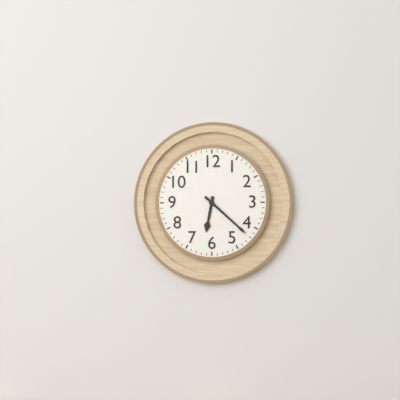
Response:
6.22
